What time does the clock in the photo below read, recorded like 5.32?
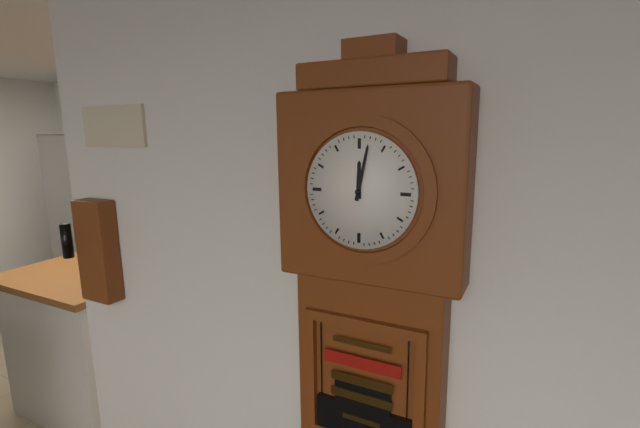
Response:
12.02
